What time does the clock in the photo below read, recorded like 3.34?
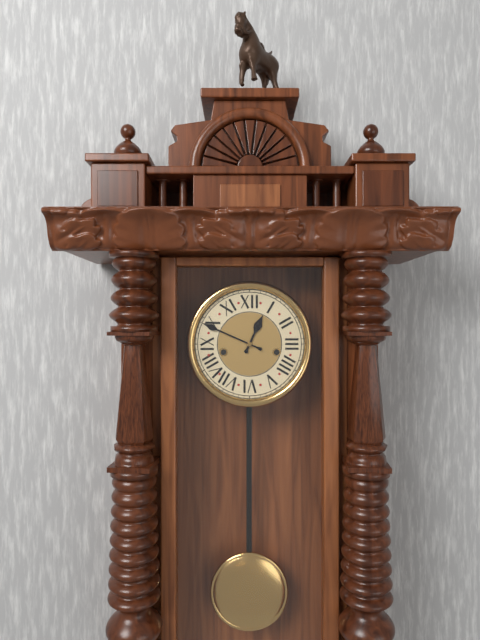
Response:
12.49
